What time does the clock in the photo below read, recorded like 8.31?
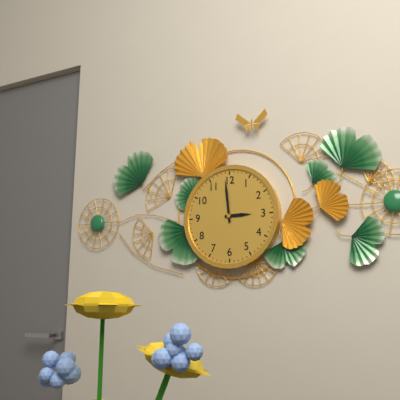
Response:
2.59
